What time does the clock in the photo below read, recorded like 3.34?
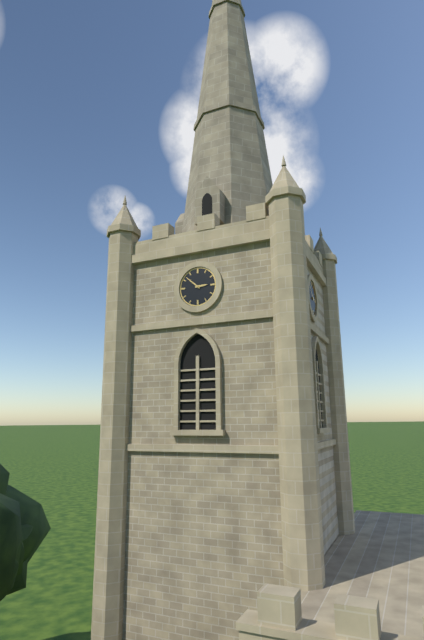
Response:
2.52
